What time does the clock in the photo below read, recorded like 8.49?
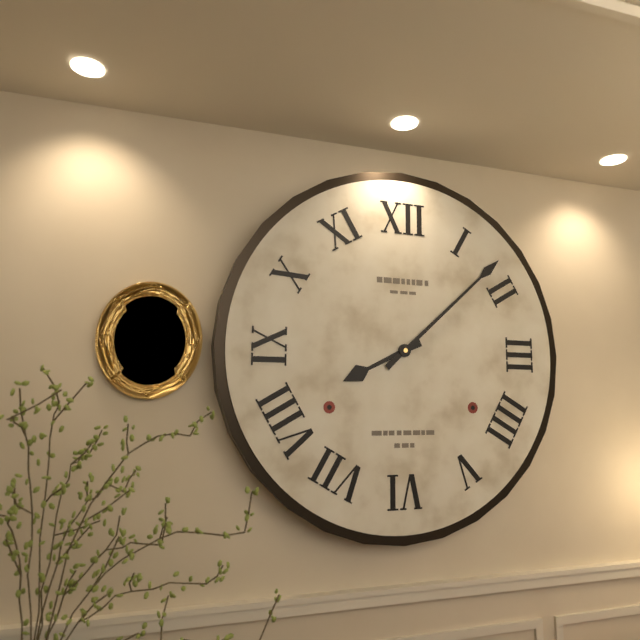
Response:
8.08
